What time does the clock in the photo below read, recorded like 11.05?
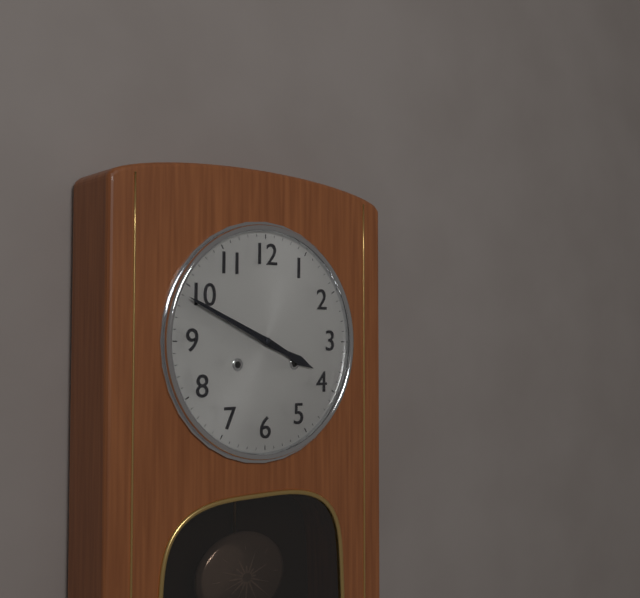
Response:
3.49
